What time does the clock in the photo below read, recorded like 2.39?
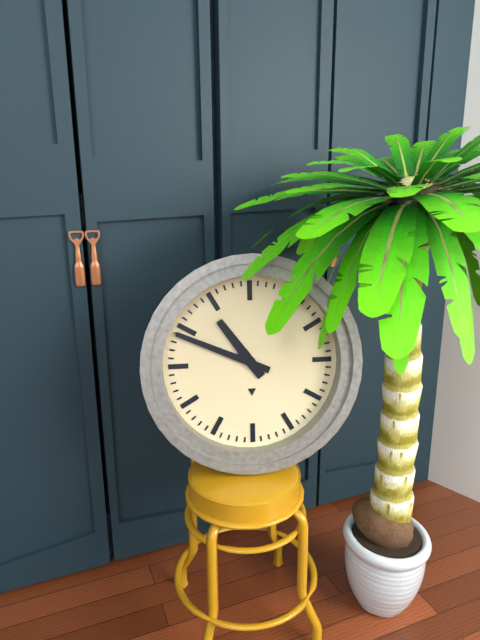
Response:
10.49
